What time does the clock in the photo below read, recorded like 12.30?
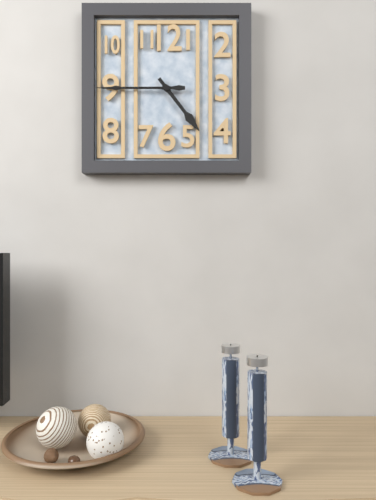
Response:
4.45
